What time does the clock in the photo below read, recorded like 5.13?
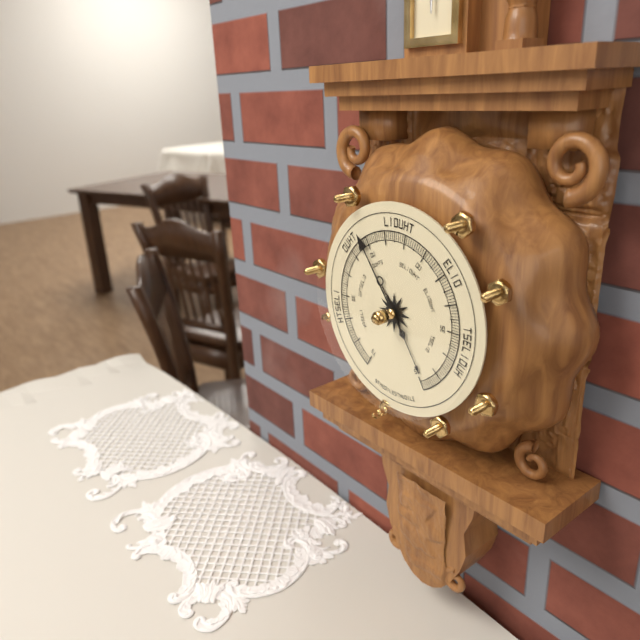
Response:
4.54
